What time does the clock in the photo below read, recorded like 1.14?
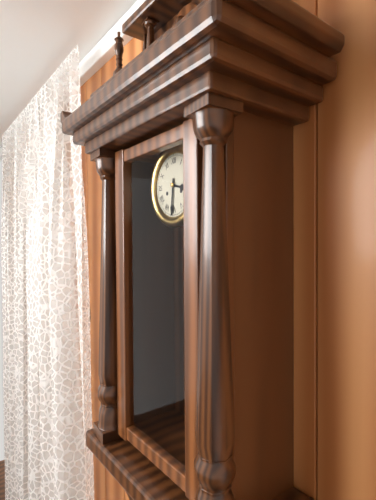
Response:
3.31
